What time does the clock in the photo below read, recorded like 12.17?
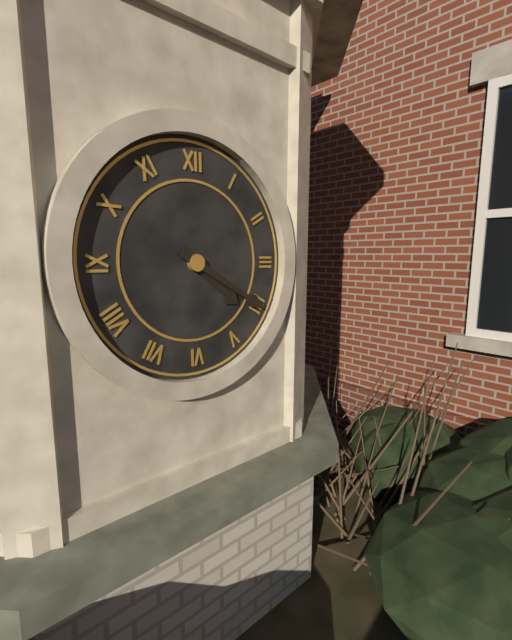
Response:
4.20
